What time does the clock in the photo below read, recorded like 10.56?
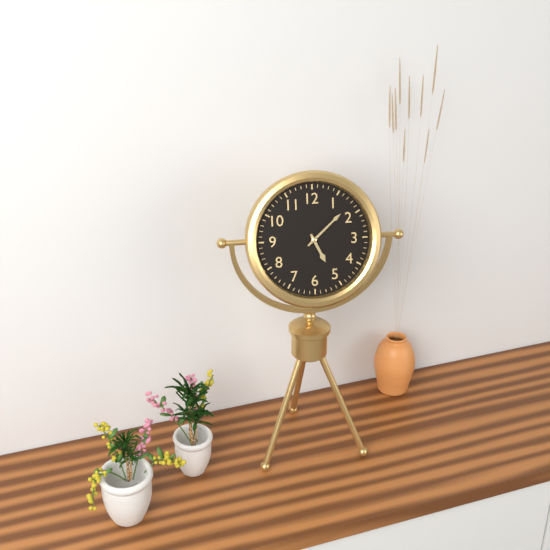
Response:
5.08
